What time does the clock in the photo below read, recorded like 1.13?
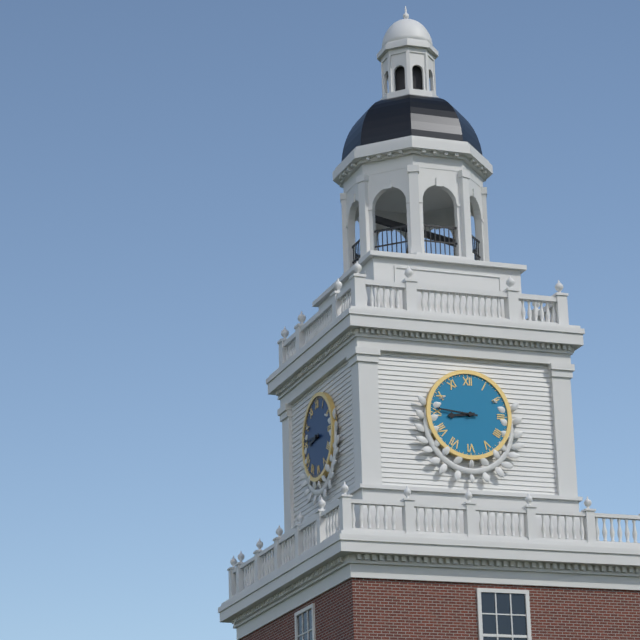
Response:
8.46
